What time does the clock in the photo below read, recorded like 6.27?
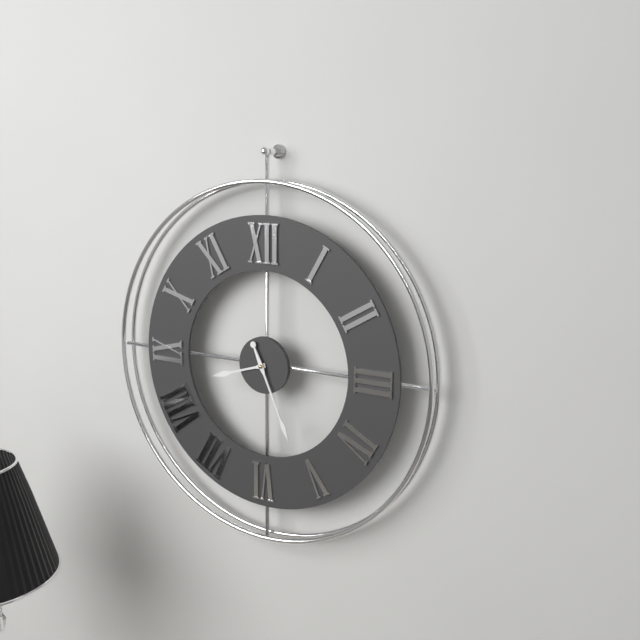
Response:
8.26
